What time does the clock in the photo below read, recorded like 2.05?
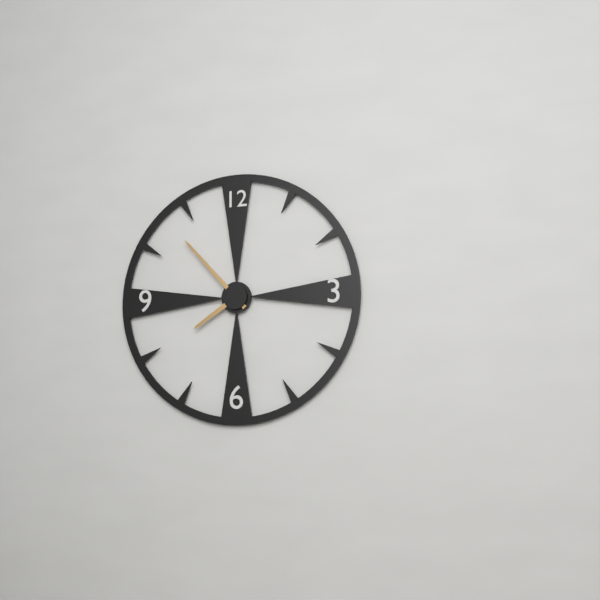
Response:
7.53
